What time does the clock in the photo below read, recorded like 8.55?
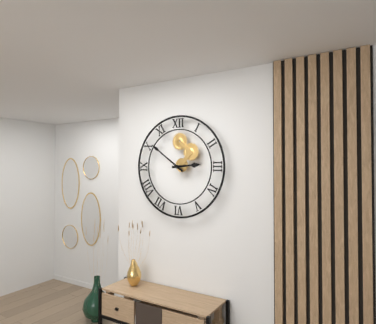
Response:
2.51
